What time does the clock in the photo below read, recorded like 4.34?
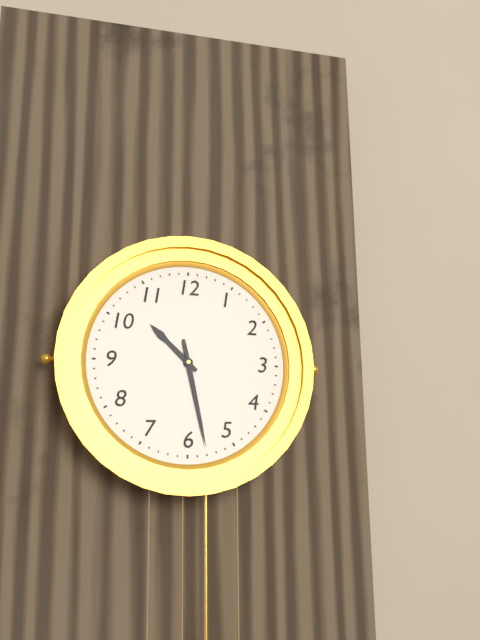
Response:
10.28
